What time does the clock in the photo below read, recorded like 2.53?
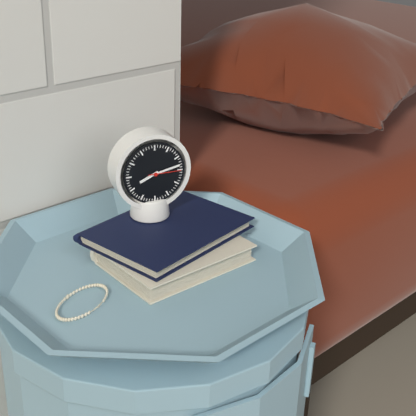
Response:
8.13
